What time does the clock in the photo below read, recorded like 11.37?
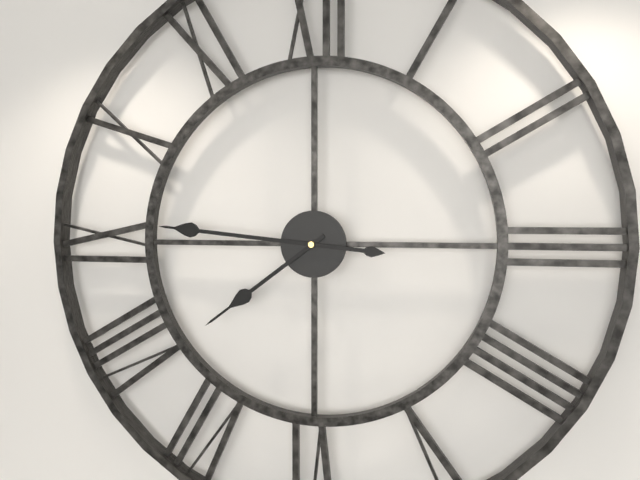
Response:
7.46
